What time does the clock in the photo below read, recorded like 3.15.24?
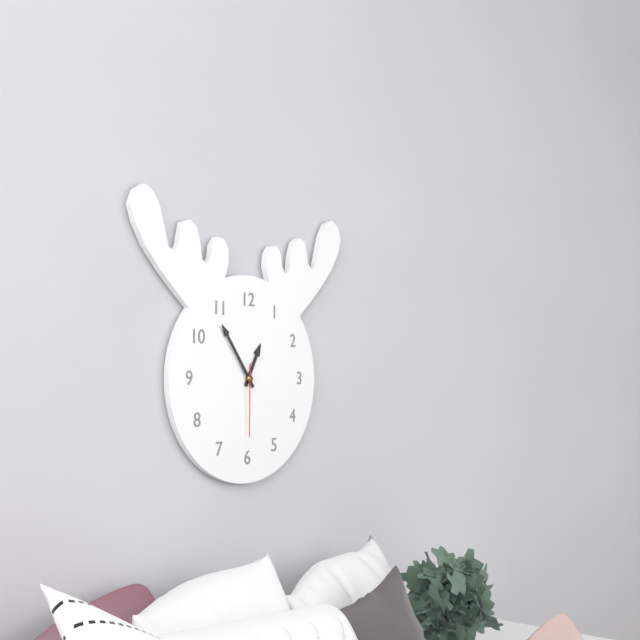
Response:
12.54.30
